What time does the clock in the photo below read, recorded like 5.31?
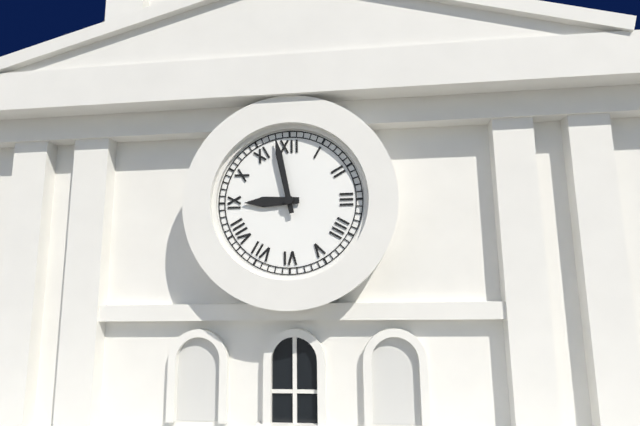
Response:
8.58
